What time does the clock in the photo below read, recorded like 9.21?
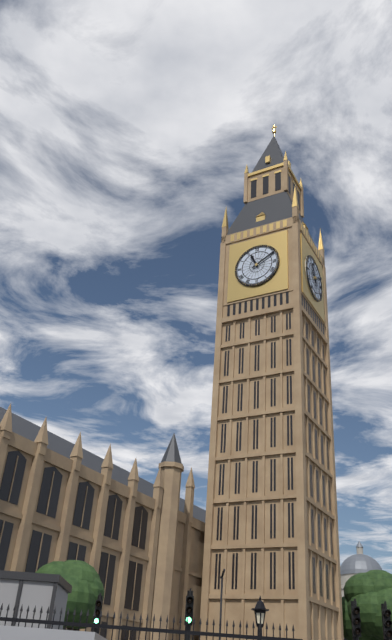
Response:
11.10
